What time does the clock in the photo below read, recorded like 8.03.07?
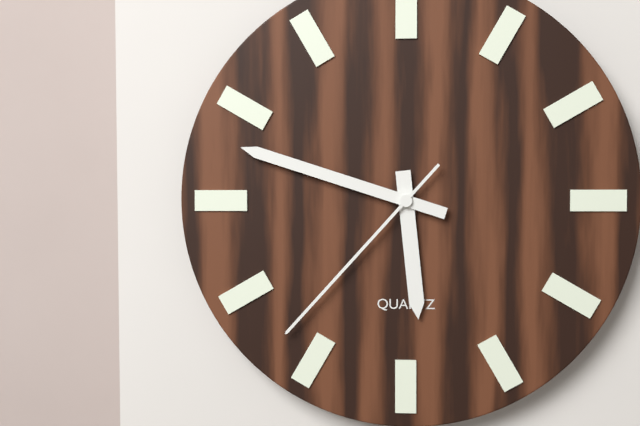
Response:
5.48.37
